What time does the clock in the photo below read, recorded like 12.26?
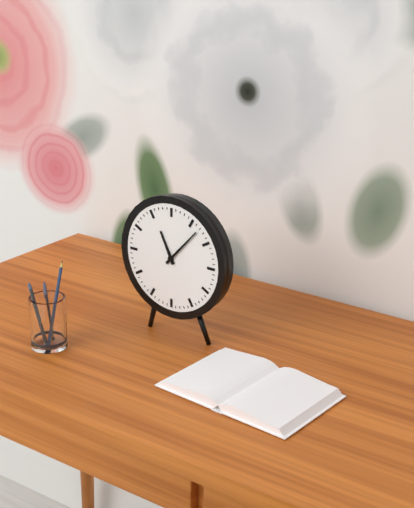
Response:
11.07
